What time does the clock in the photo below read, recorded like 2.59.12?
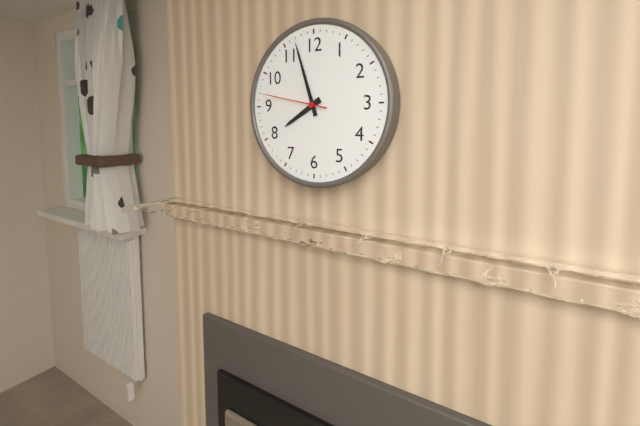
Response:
7.57.47
